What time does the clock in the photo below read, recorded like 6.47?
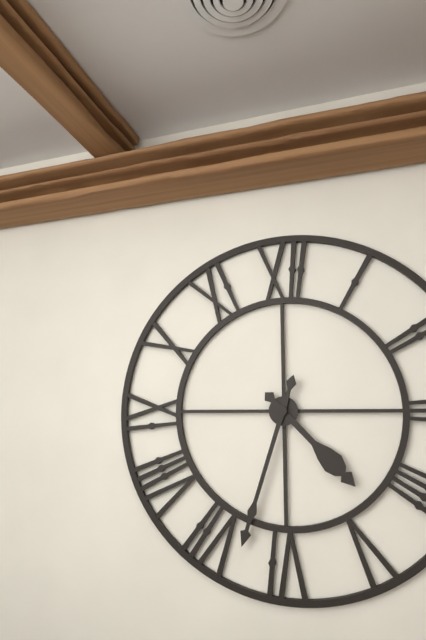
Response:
4.33
